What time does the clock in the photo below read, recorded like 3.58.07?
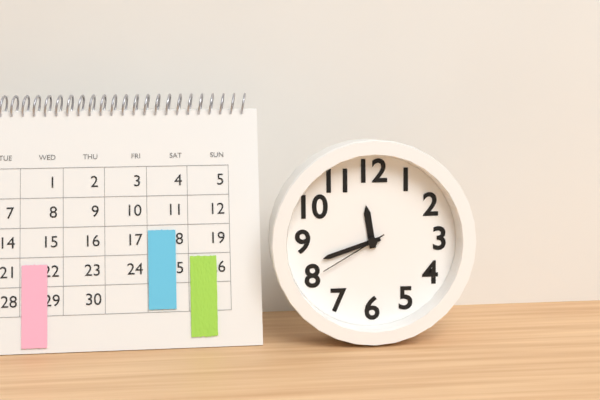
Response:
11.42.40
